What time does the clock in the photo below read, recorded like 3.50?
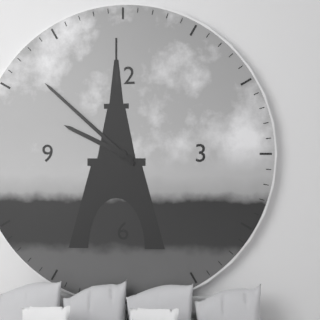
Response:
9.52
